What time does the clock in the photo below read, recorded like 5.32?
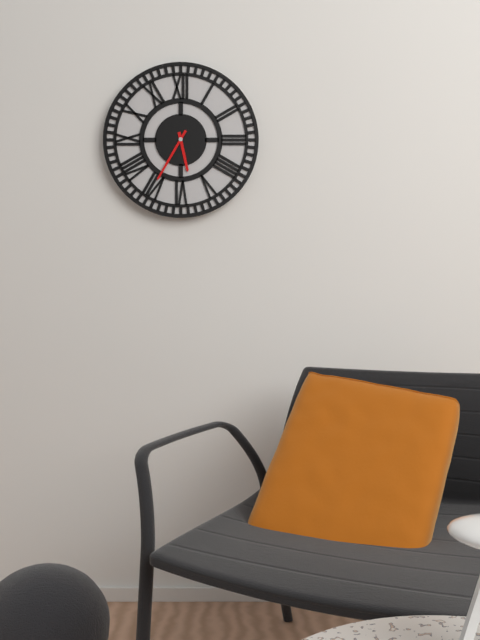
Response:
5.35
